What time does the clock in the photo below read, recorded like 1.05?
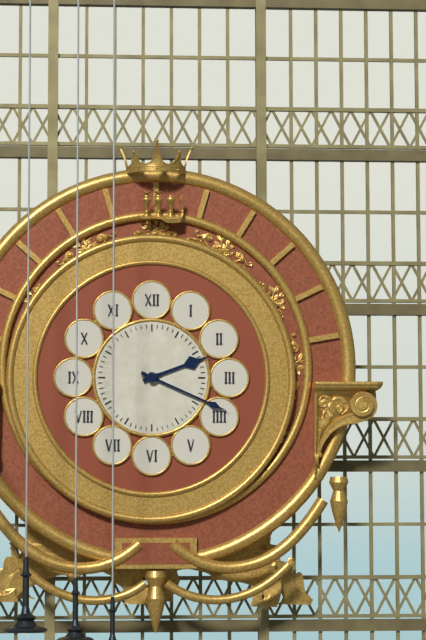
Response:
2.19
